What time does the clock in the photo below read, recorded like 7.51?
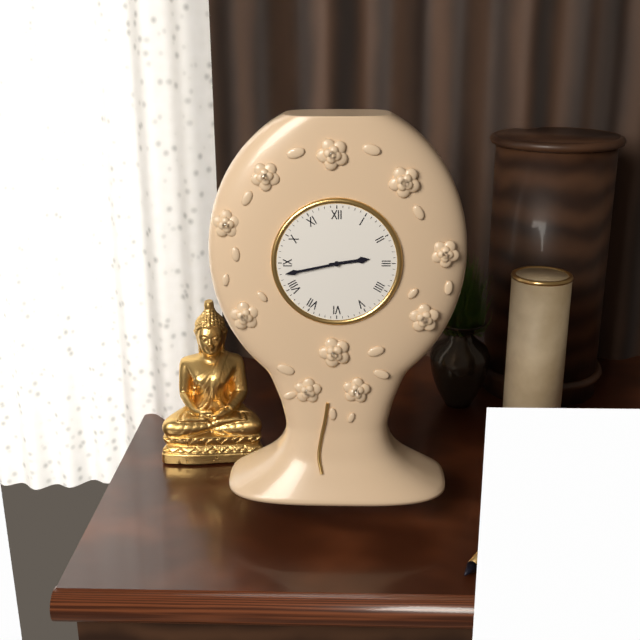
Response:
2.43
